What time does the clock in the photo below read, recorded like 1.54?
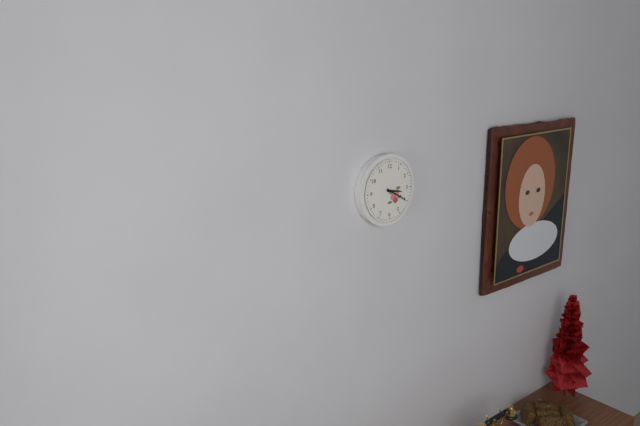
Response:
3.20
